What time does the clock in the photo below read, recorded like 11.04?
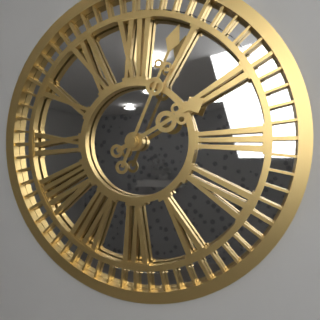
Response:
2.04
